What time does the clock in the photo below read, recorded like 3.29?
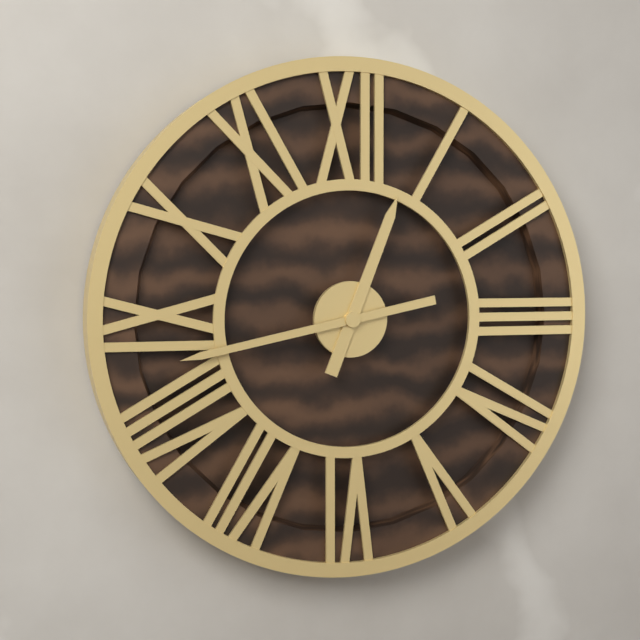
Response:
12.43
